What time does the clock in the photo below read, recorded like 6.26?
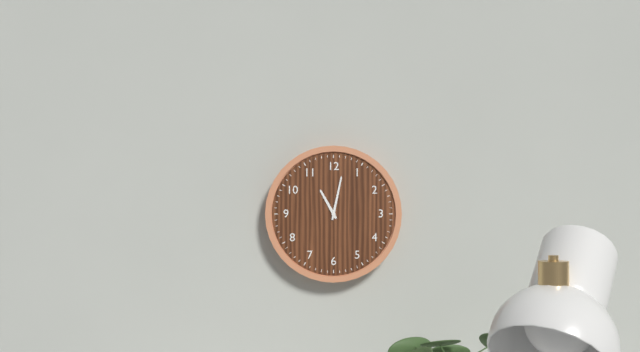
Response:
11.02
